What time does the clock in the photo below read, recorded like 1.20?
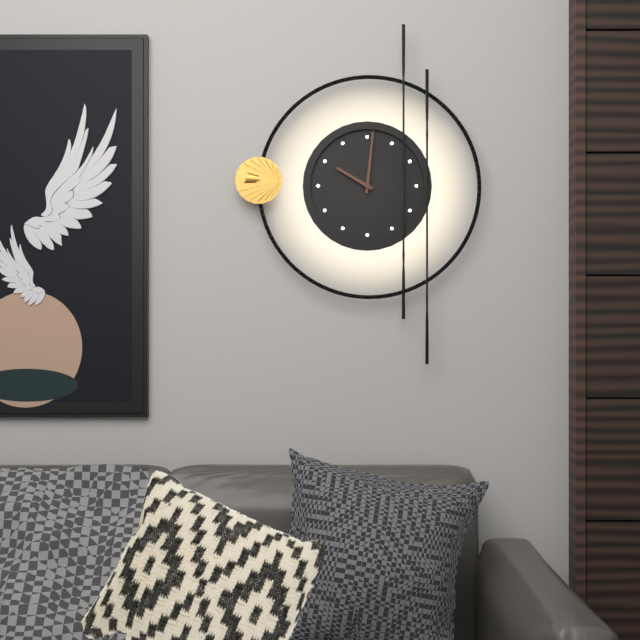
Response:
10.01
